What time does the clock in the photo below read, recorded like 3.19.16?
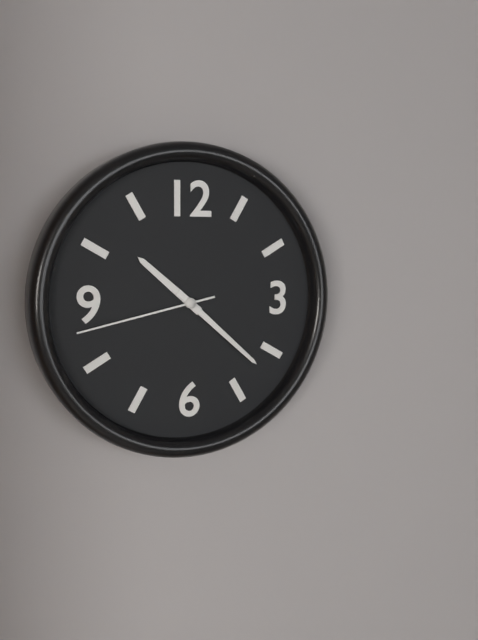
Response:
10.22.43
